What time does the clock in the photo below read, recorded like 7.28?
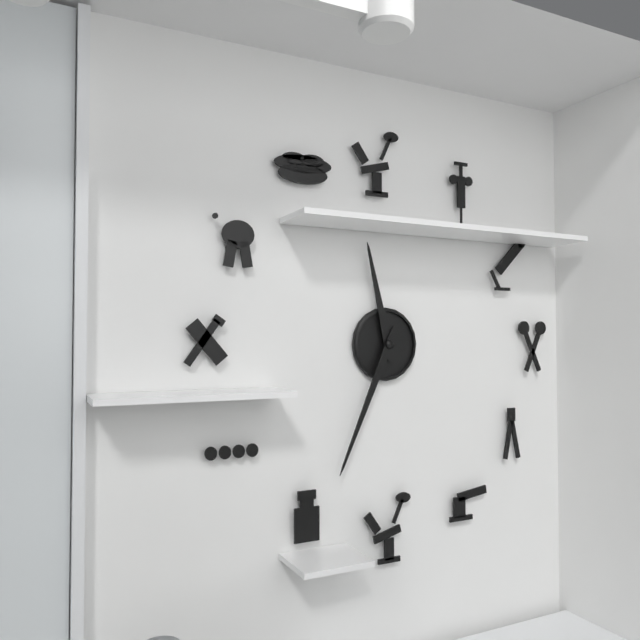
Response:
11.34
